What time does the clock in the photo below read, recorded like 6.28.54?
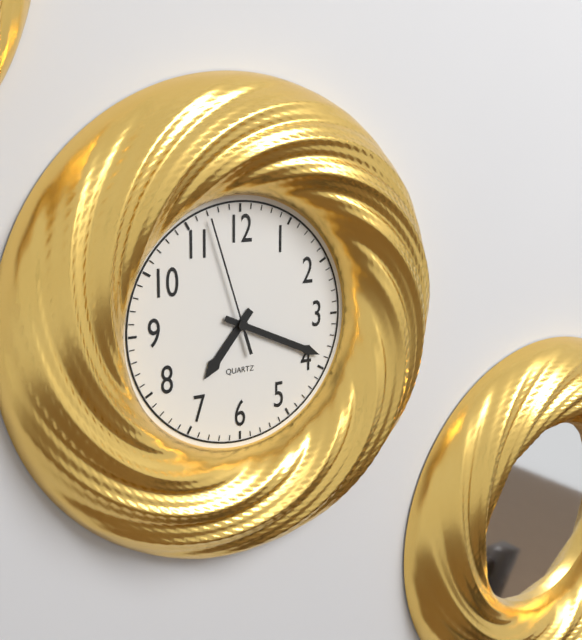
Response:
7.19.57
